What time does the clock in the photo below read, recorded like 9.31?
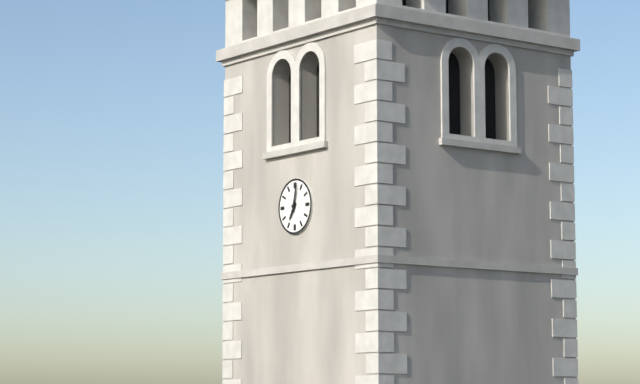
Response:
7.02
